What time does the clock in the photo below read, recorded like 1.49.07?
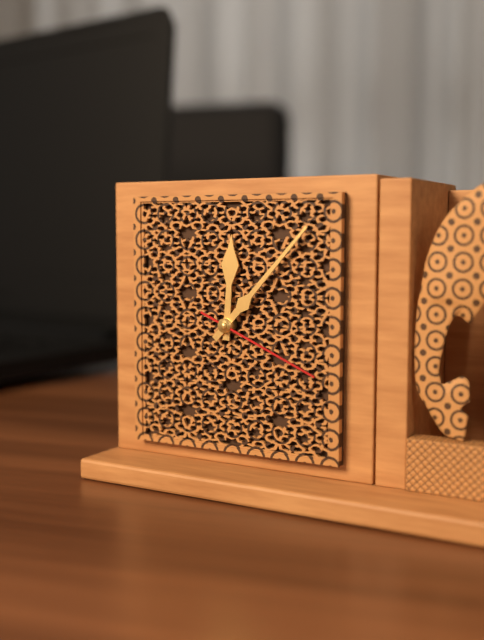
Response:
12.07.19
